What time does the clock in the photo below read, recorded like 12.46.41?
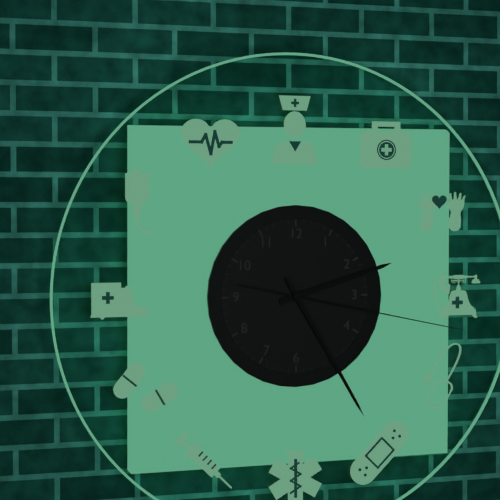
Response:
2.25.17
